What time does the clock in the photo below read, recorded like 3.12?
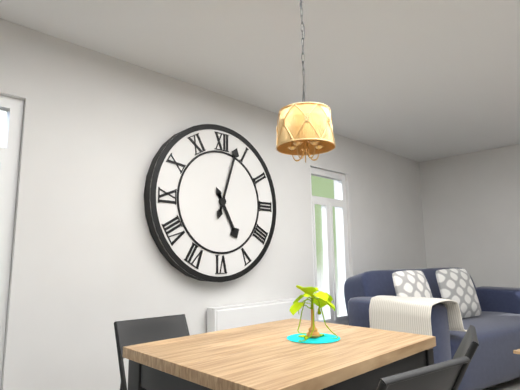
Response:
5.03
